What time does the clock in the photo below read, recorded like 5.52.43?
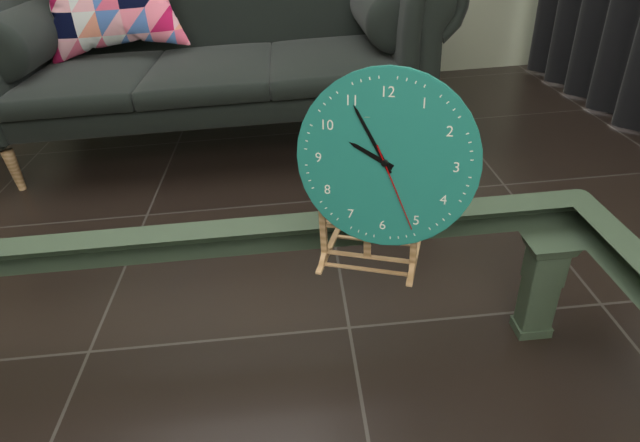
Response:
9.55.26
